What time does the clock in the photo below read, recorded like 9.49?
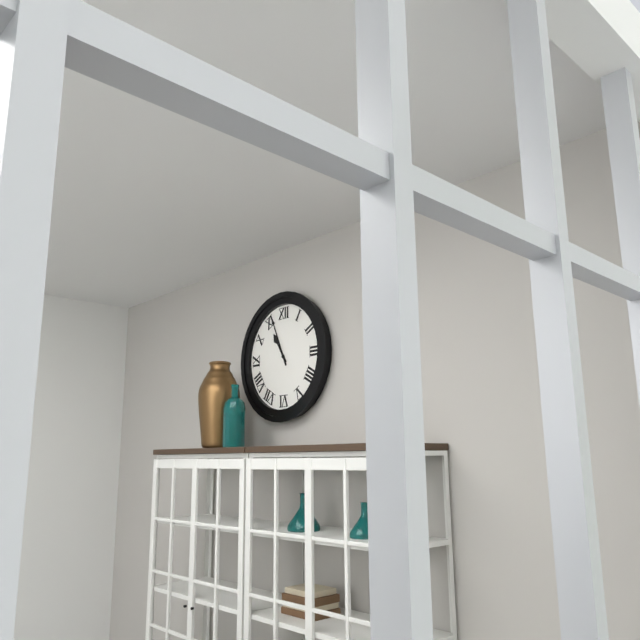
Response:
10.56
